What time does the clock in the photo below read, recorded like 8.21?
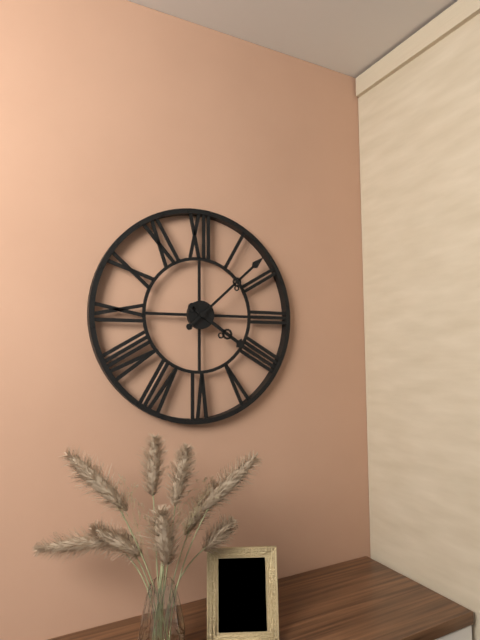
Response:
4.08
